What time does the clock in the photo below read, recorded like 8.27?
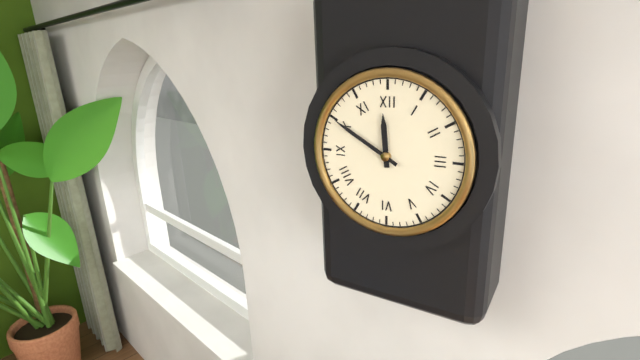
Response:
11.50
